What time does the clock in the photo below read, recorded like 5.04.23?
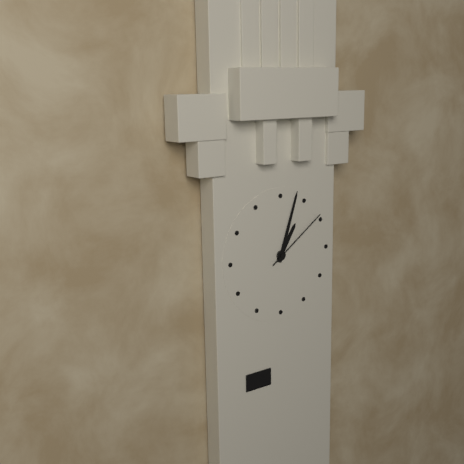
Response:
1.03.09
